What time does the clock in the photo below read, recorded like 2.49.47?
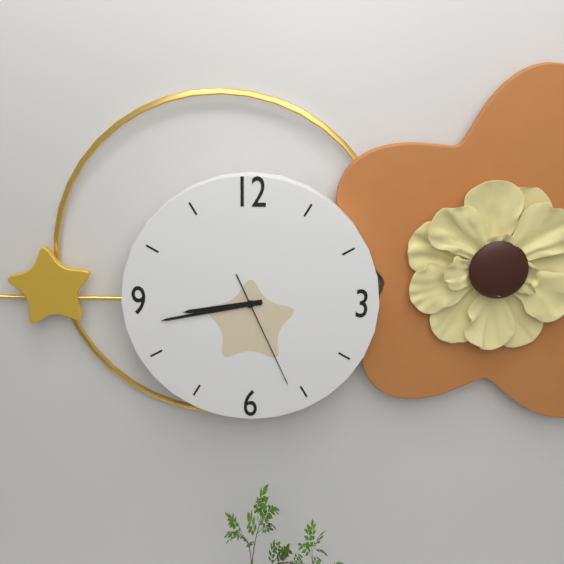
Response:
8.43.26
